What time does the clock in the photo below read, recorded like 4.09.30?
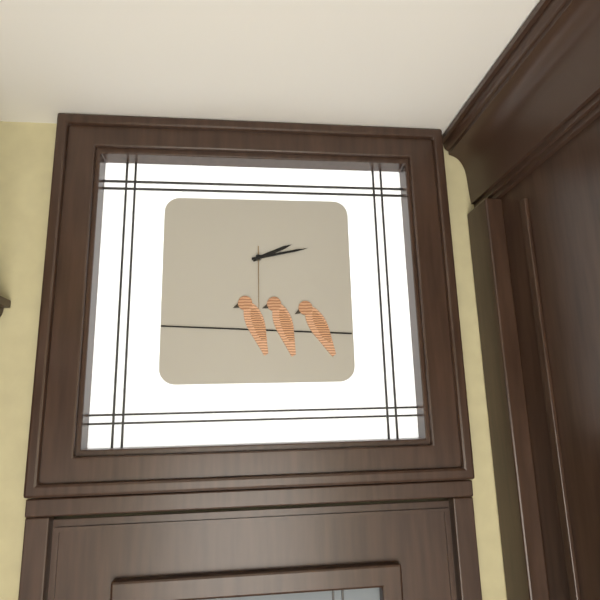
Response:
2.13.30
